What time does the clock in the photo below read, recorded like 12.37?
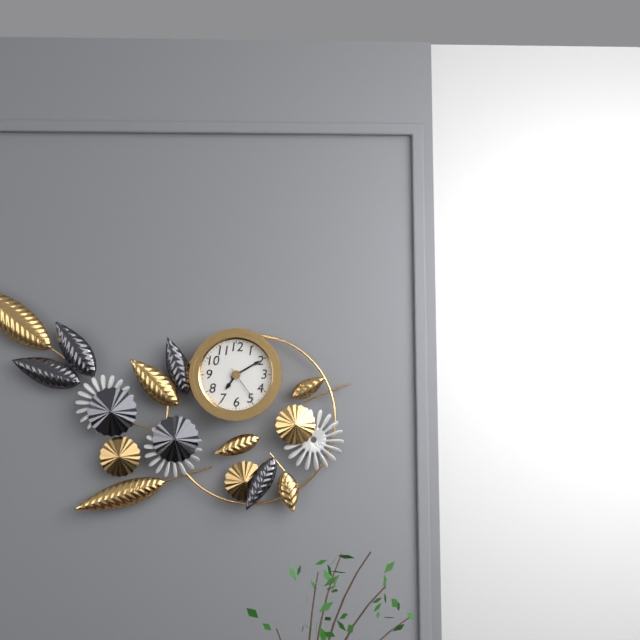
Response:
7.10
